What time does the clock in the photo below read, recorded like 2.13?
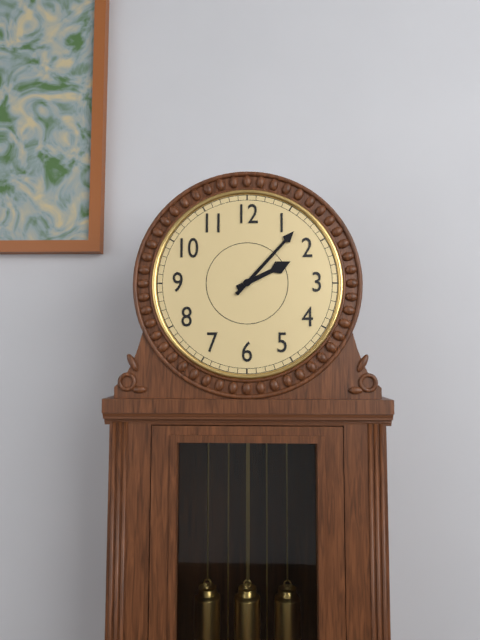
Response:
2.07
